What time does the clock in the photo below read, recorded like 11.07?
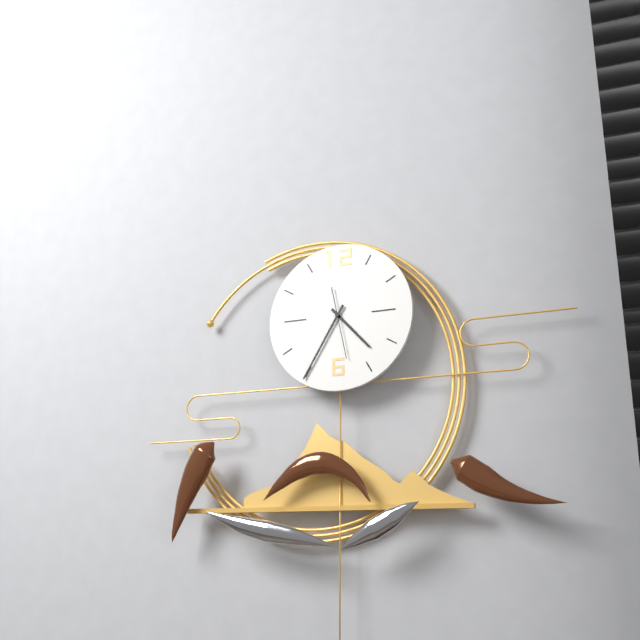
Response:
4.35
